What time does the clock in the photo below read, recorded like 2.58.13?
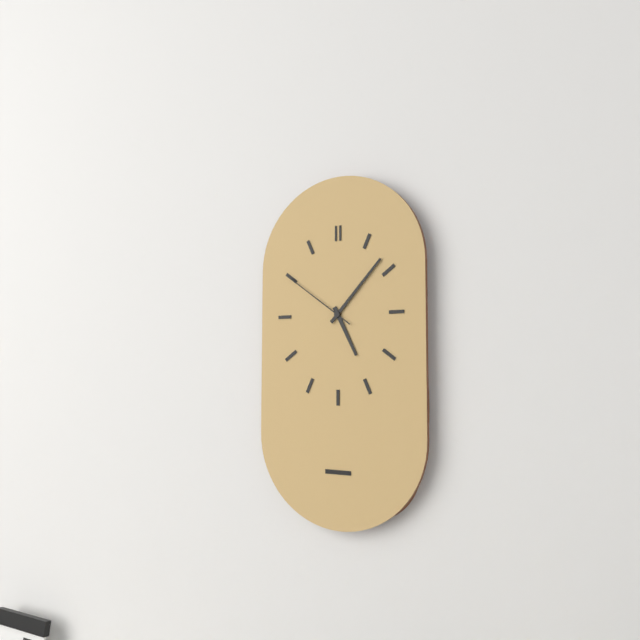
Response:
5.07.51
